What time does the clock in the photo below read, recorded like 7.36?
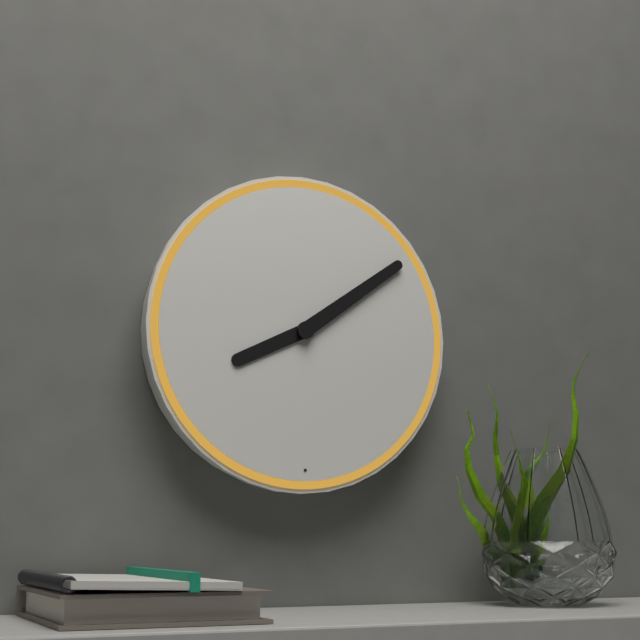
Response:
8.09
